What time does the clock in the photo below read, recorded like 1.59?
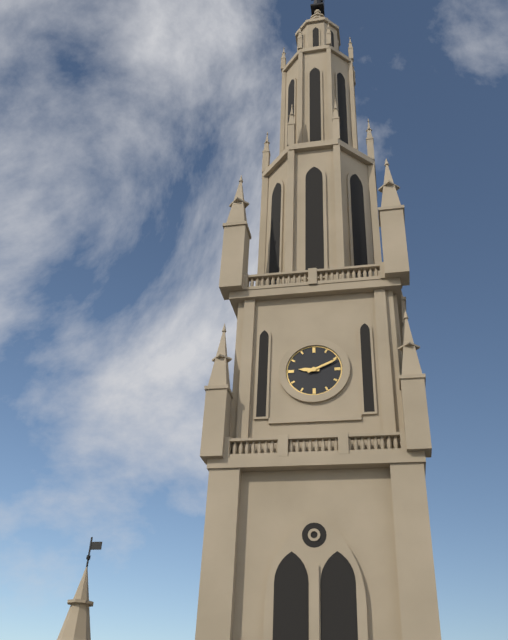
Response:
9.11
